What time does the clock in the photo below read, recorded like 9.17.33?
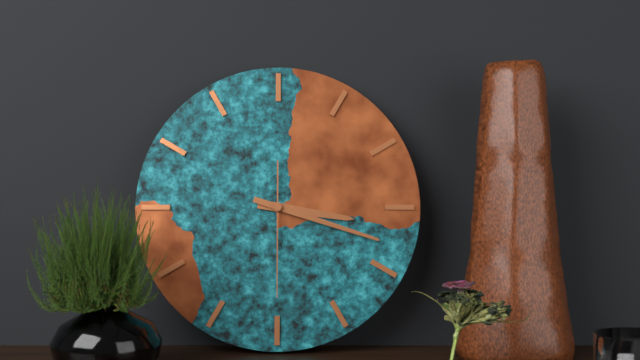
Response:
3.18.30
